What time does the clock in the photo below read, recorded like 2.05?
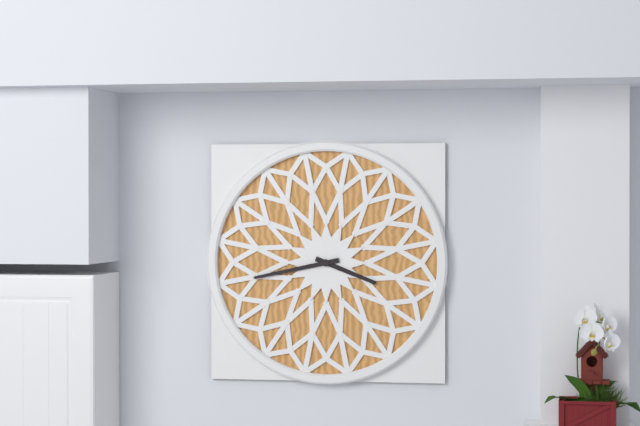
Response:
3.43
